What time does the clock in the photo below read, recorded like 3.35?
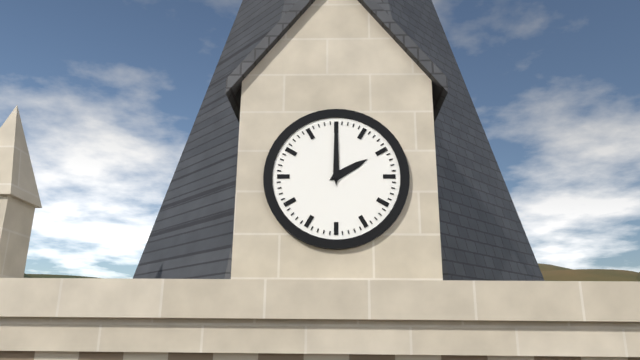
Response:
2.00
